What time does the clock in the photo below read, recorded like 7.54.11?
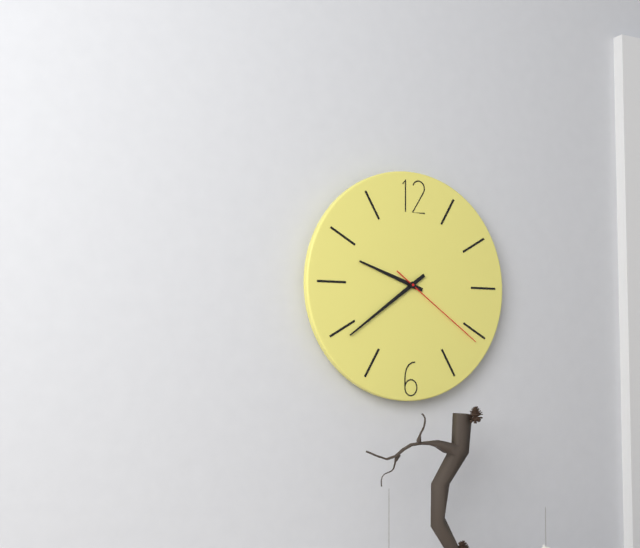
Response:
9.39.21
